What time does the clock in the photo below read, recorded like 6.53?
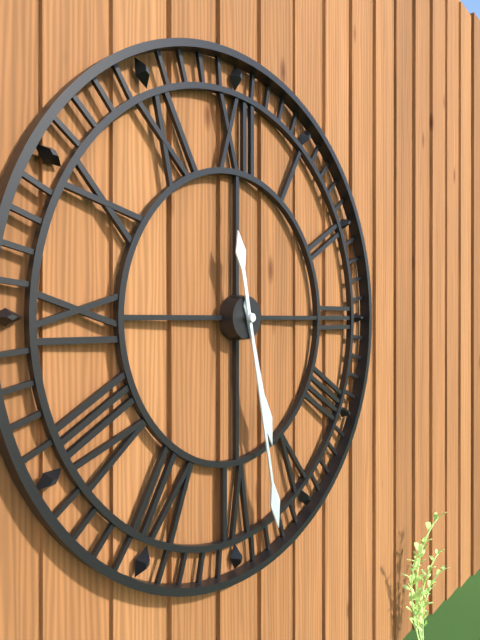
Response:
5.28
